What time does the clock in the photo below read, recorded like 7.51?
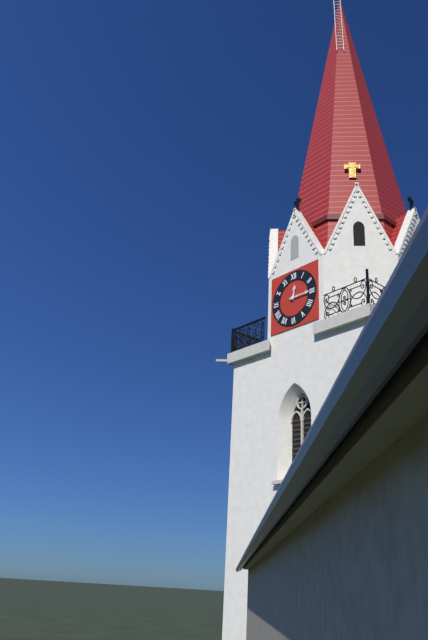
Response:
12.15
